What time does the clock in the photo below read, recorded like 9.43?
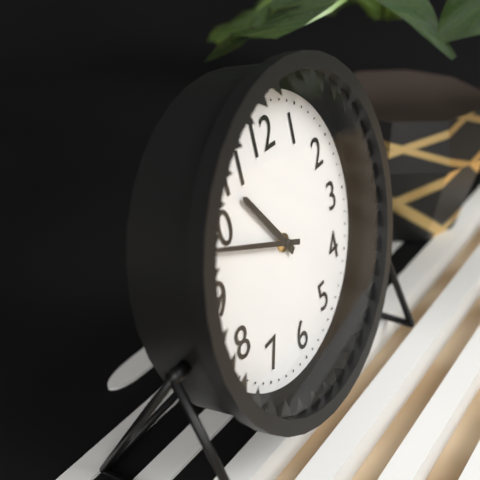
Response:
10.49
